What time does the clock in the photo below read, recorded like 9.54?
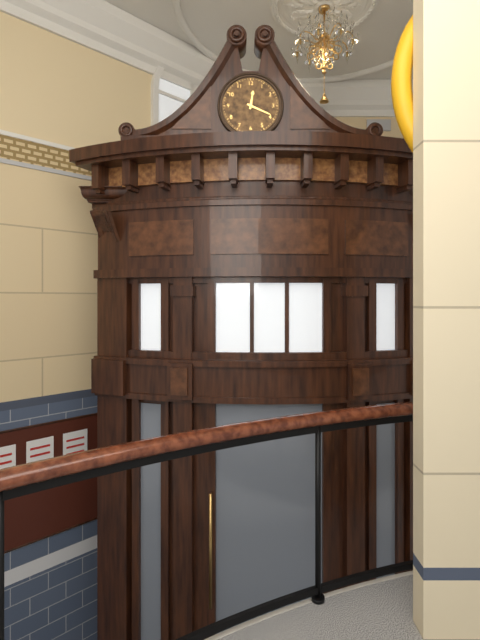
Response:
12.19
